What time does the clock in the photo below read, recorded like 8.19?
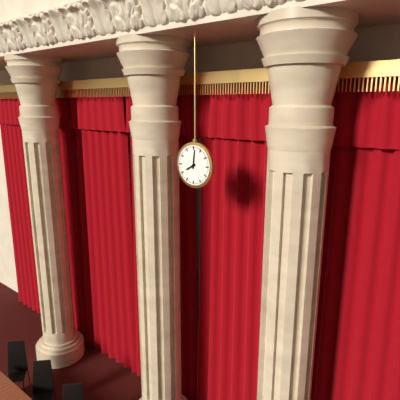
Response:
8.01
